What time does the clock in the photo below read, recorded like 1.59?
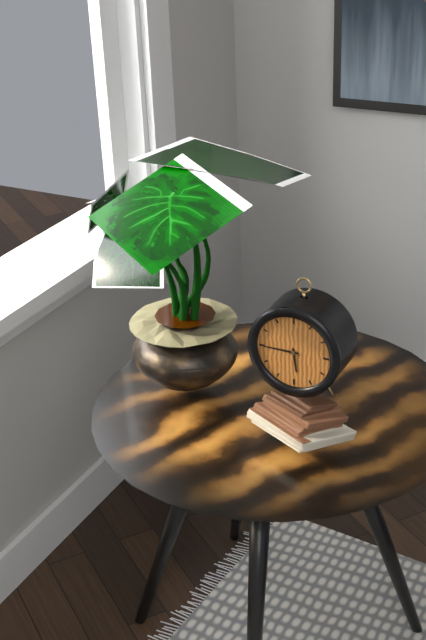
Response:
5.45
